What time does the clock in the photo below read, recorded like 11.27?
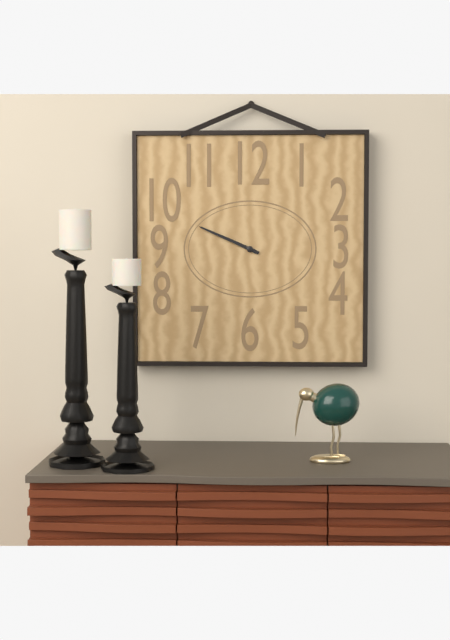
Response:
9.49
